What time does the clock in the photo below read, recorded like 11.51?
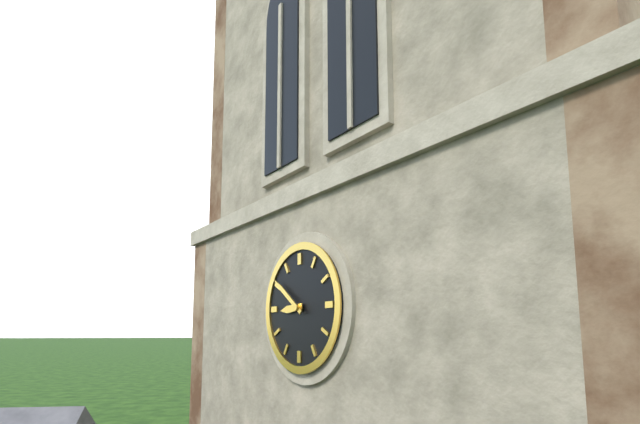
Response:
8.51
